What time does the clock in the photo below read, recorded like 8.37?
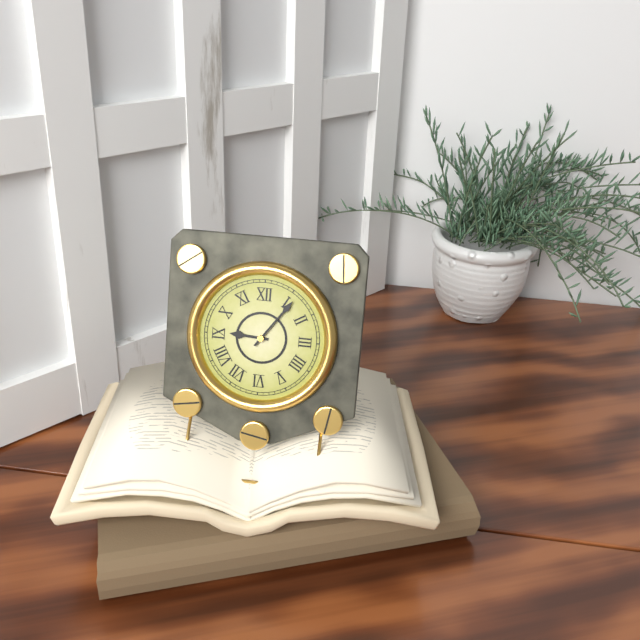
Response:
9.06
